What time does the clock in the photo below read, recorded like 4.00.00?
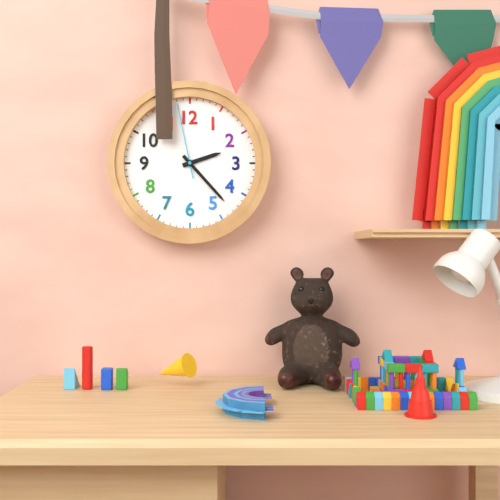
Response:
2.23.58
